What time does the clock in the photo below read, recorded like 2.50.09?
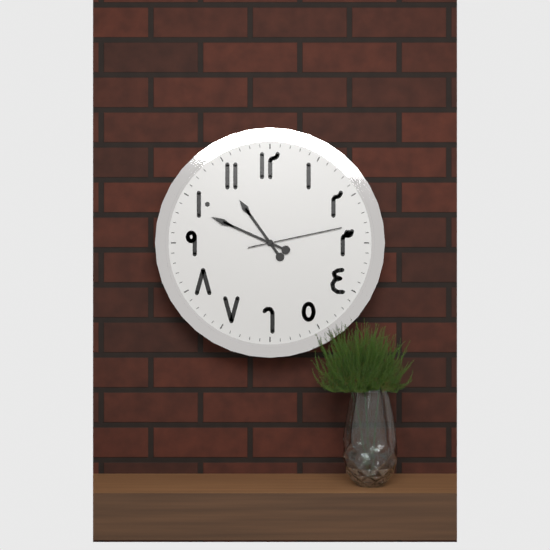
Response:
10.49.13
